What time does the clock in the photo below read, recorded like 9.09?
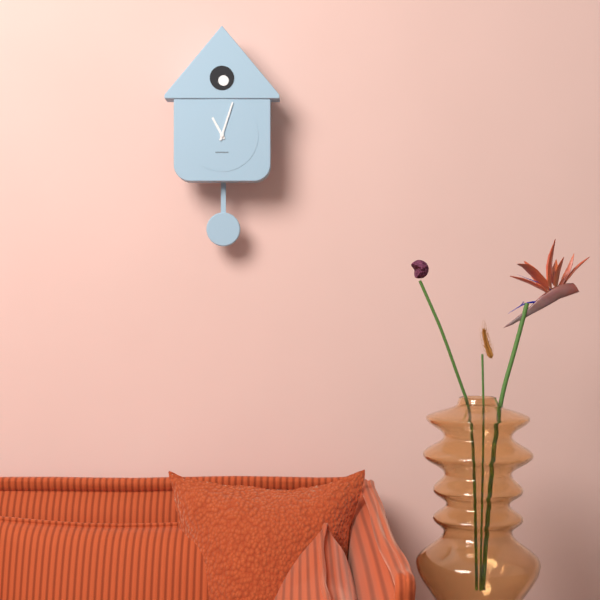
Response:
11.03
